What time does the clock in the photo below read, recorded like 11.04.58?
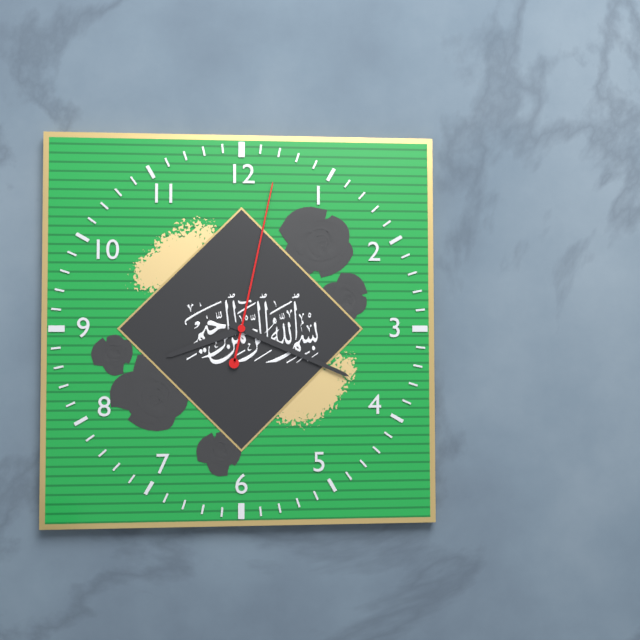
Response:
8.19.02
